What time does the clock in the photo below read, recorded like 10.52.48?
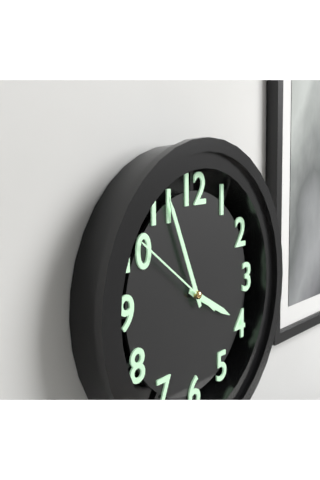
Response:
3.56.51
